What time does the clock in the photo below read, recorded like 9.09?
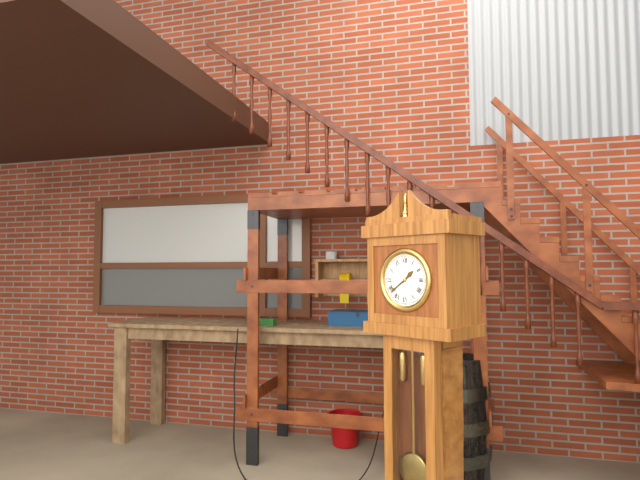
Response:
1.39
